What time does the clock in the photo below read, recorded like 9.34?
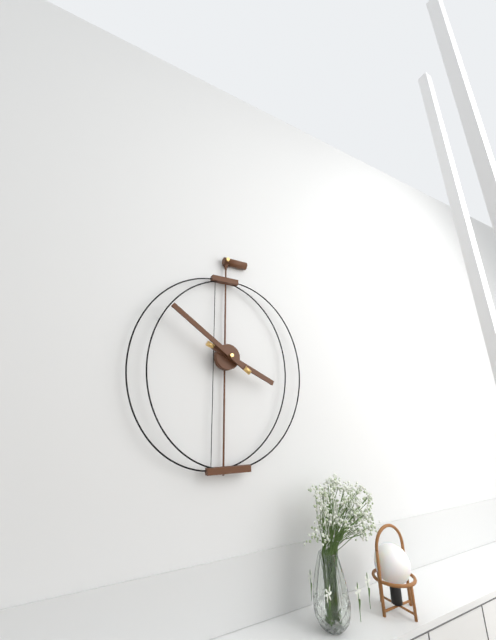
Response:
3.51
